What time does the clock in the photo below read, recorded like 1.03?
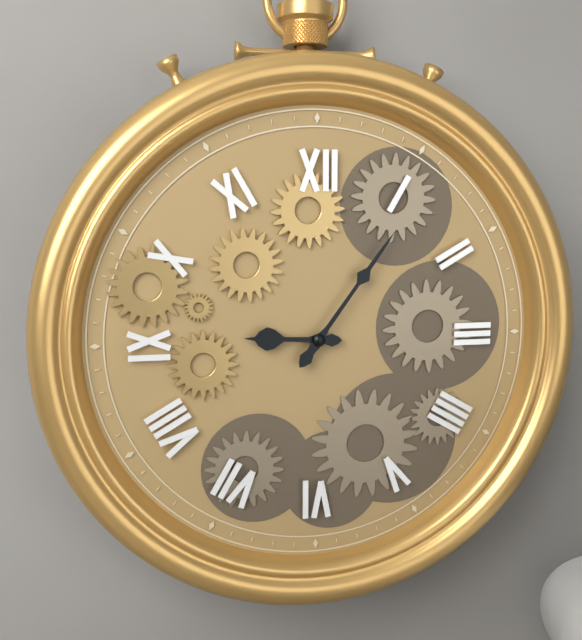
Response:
9.06
